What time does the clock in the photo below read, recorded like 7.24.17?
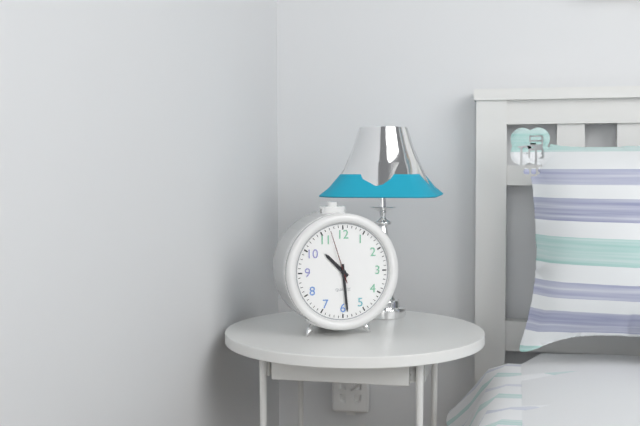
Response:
10.29.57
